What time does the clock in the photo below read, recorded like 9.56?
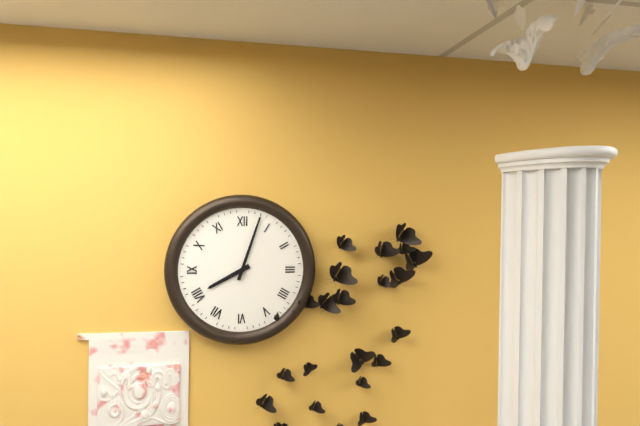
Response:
8.03
